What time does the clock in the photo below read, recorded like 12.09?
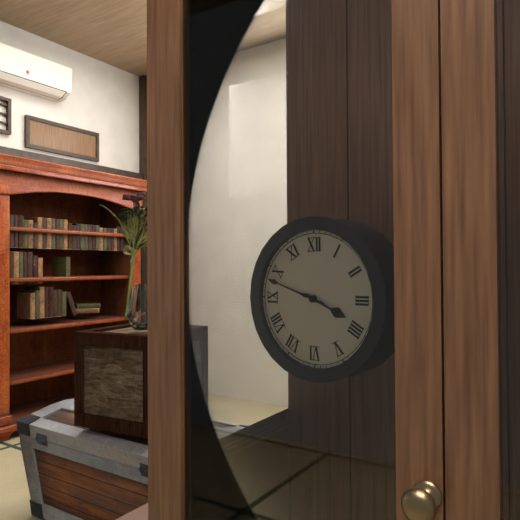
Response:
3.48
